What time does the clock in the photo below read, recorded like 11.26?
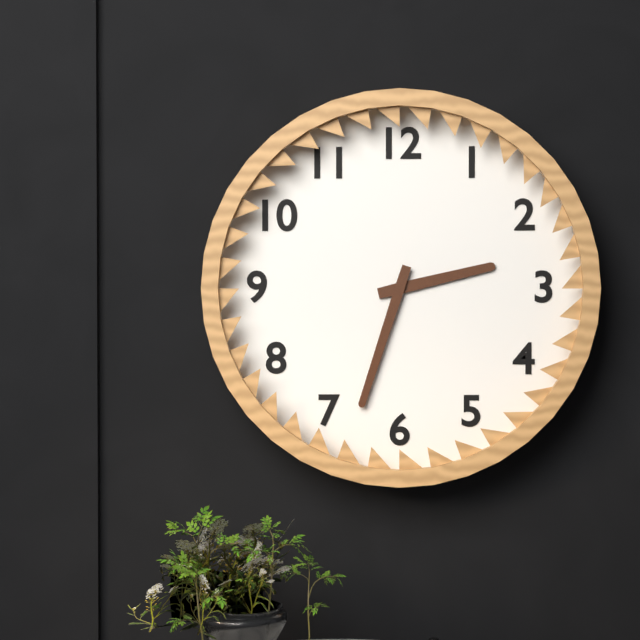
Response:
2.33
